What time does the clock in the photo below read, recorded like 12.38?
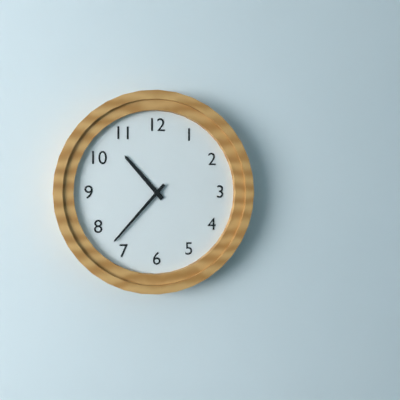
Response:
10.37
